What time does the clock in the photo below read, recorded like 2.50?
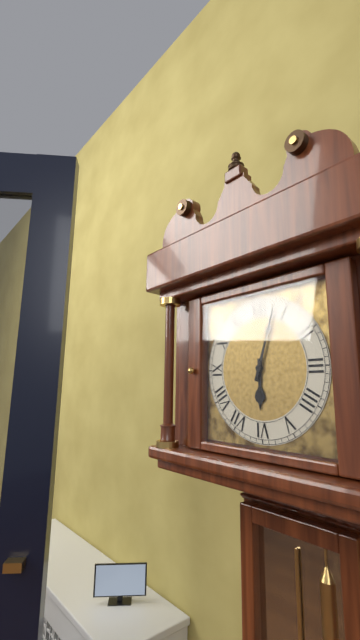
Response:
6.03
